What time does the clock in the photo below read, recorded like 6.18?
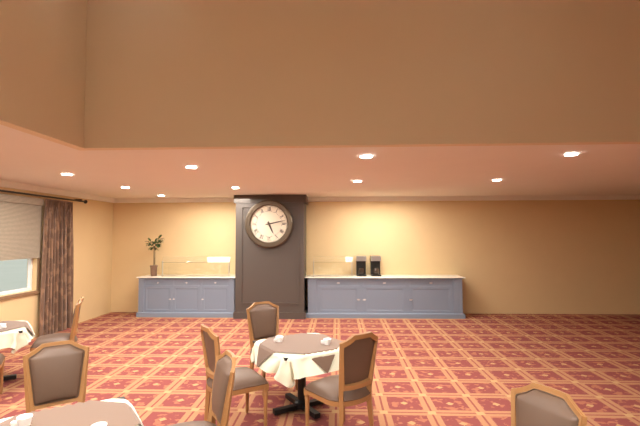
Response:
5.13
